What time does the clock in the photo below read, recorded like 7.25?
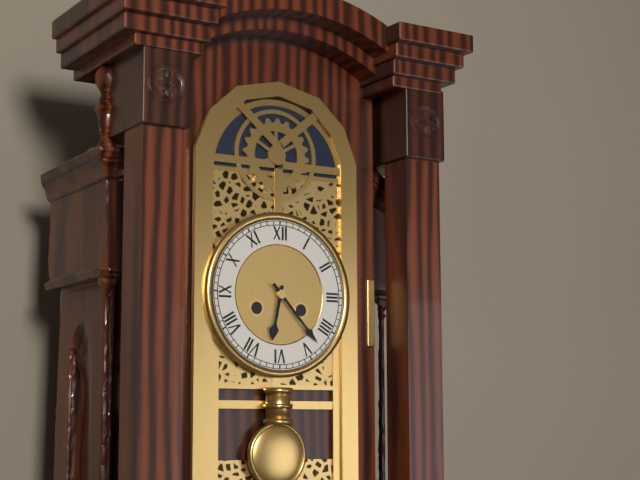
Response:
6.23
